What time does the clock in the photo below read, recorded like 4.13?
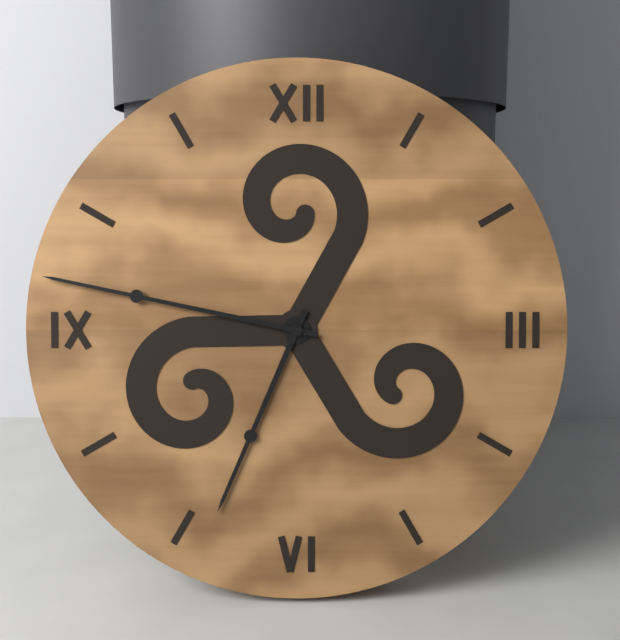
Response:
6.47
